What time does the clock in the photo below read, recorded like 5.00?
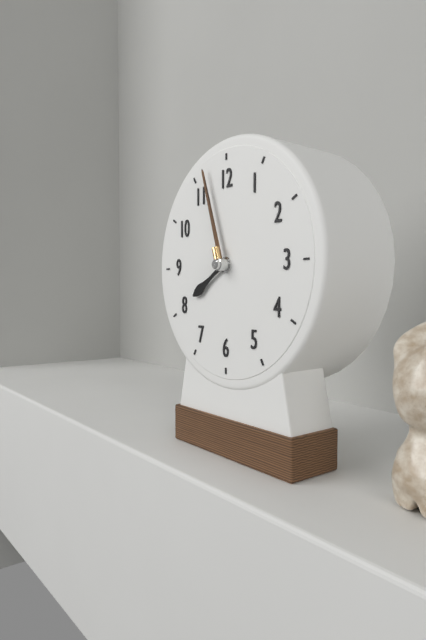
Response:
7.57
